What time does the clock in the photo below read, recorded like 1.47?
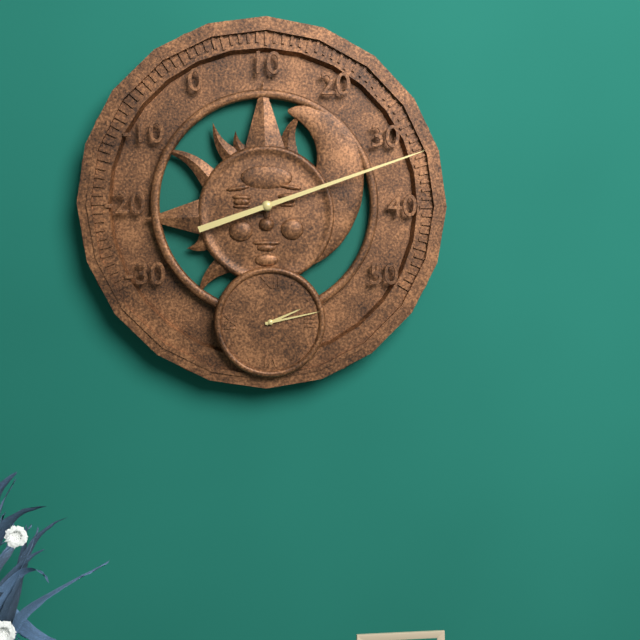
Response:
2.13
